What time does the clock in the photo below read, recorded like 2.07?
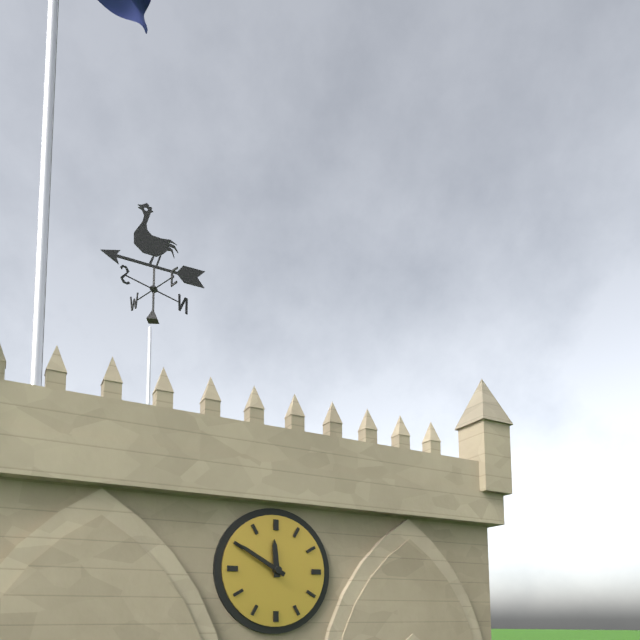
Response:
11.50
